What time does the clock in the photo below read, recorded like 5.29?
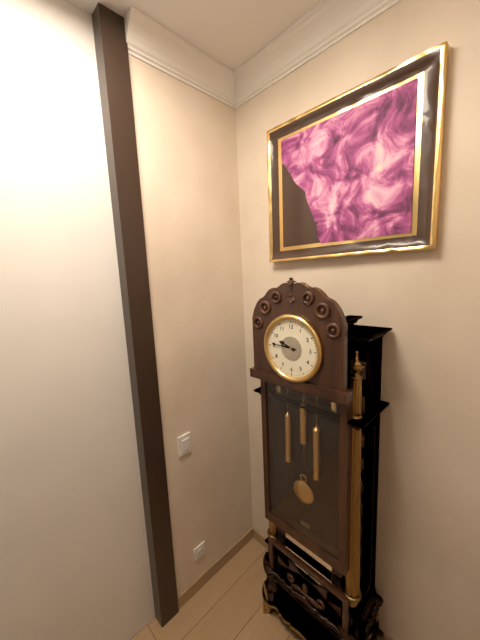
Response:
9.46
